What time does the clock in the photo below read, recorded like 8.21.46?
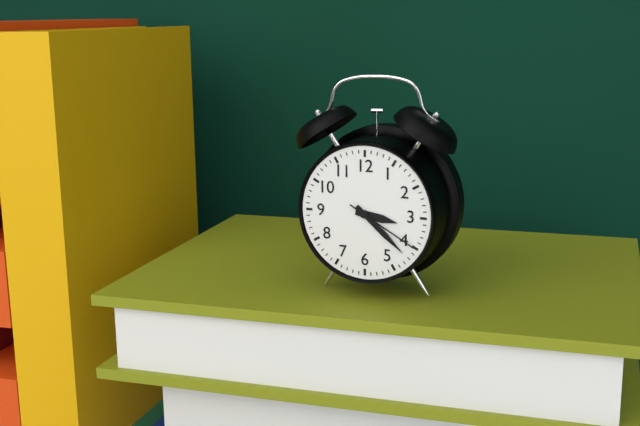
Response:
3.22.20
